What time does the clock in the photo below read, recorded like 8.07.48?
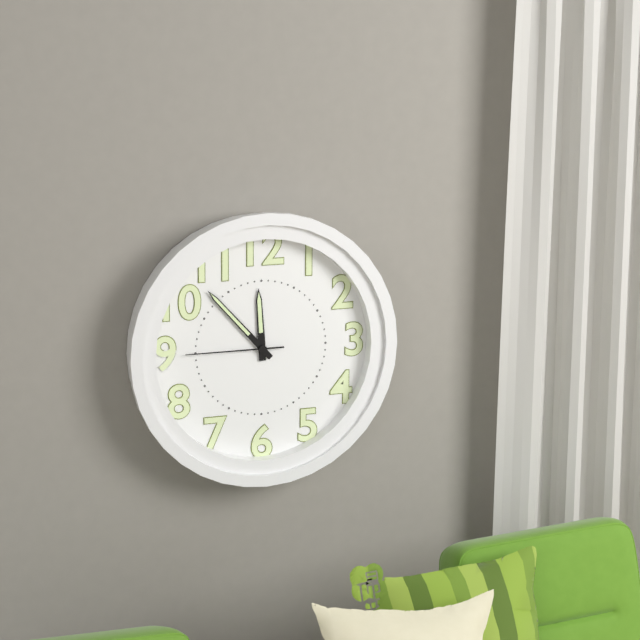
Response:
11.53.45
